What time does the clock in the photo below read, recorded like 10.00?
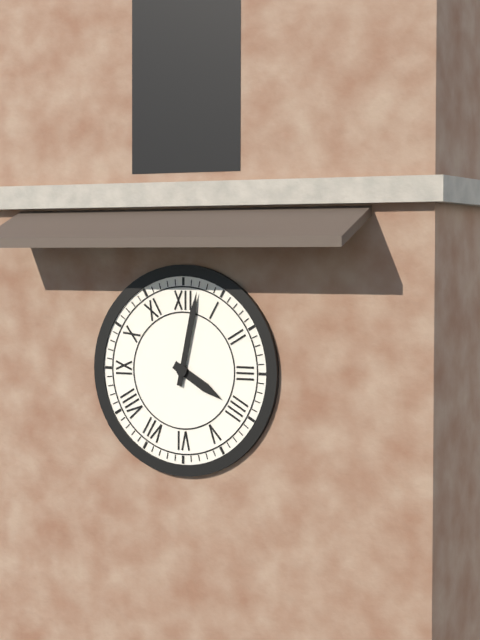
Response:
4.02
